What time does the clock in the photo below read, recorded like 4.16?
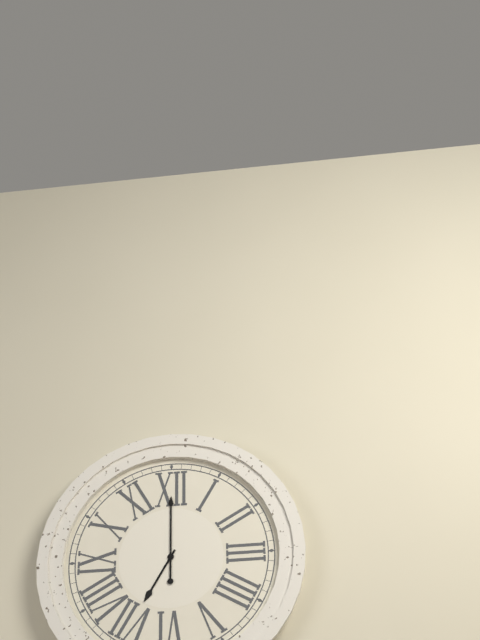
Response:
7.00
